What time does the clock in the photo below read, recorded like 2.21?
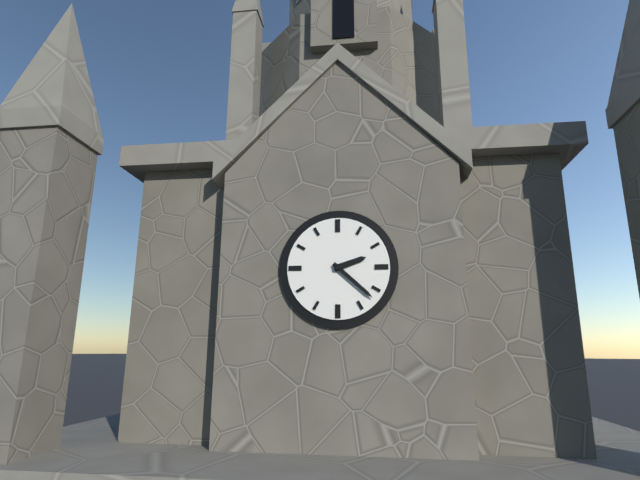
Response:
2.22
